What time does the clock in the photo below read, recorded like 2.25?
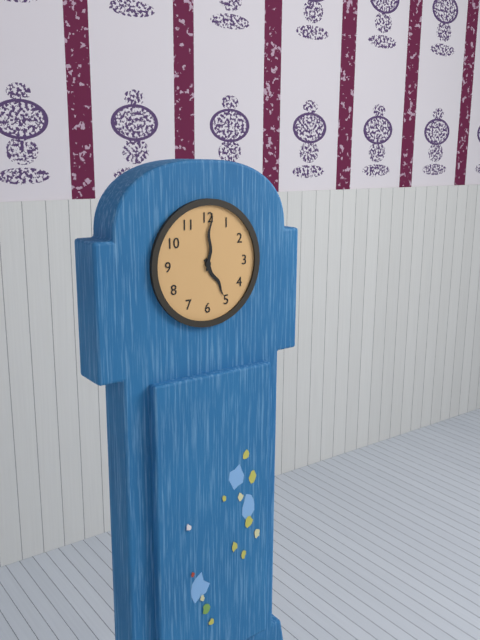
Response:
5.01
